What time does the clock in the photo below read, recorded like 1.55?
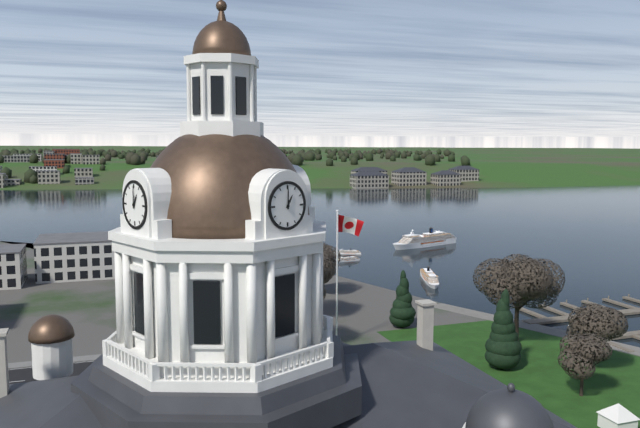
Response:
1.00
